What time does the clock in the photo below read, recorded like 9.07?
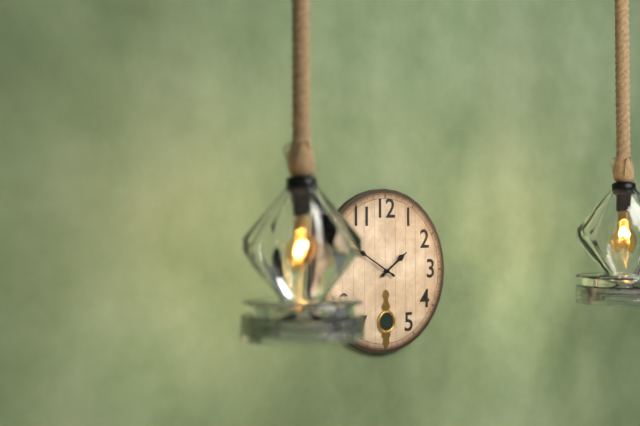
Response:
1.50
